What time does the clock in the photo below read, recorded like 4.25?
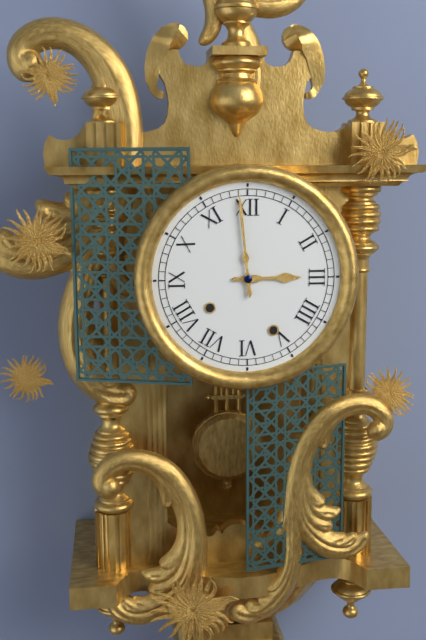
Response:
2.59
